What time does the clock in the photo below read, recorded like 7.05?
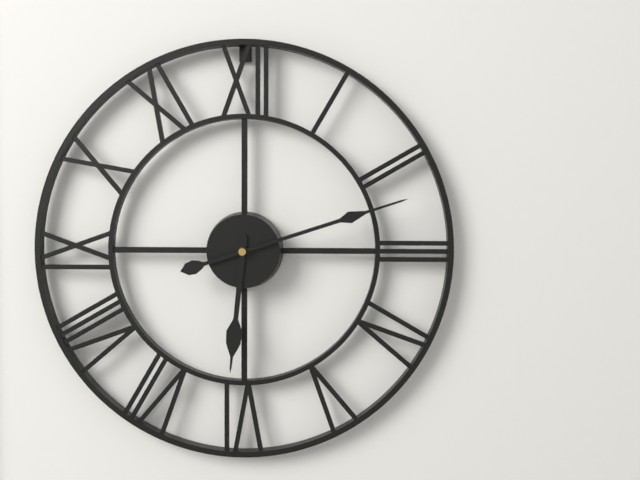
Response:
6.12
